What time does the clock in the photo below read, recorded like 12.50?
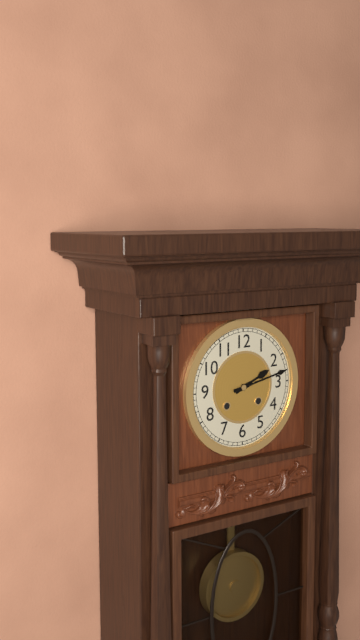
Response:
2.13
